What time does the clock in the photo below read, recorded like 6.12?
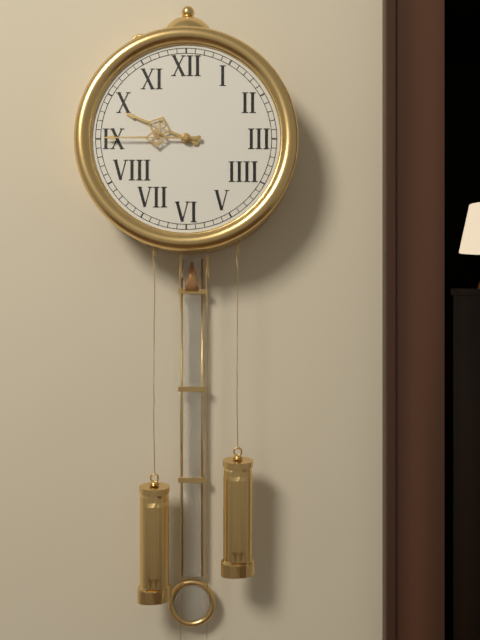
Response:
9.45
